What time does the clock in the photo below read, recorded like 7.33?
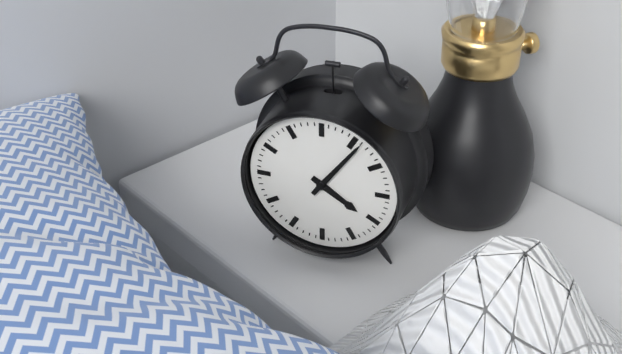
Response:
4.06
